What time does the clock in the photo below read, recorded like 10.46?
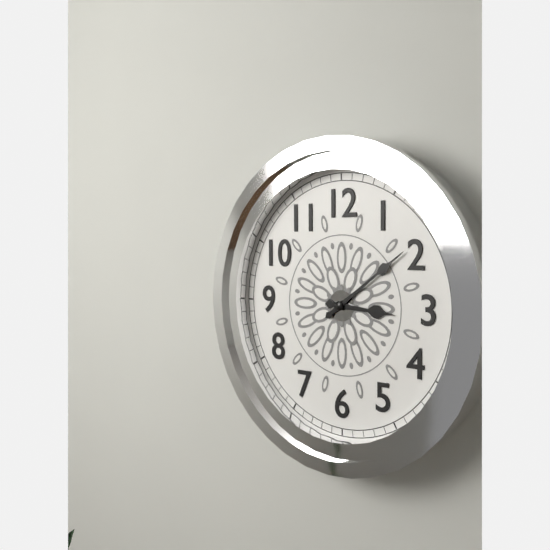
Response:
3.09
